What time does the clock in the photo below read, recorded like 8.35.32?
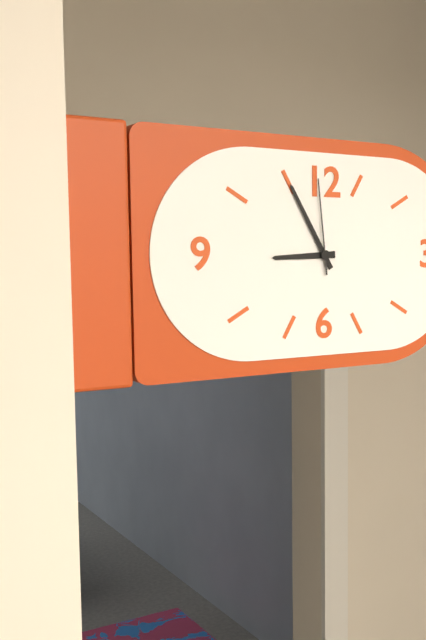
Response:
8.55.59
